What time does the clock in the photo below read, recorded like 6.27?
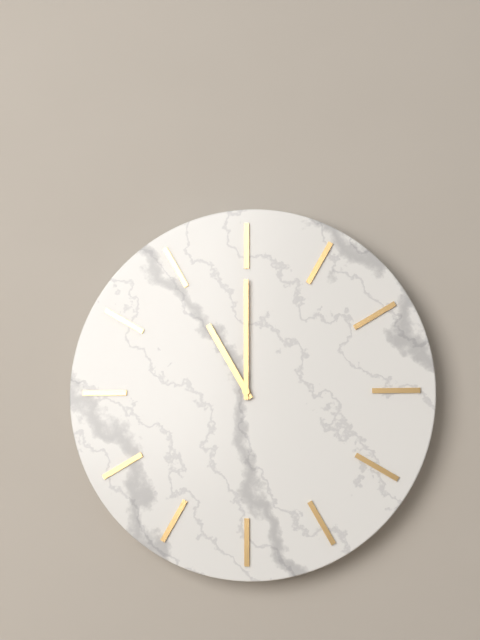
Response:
11.00
